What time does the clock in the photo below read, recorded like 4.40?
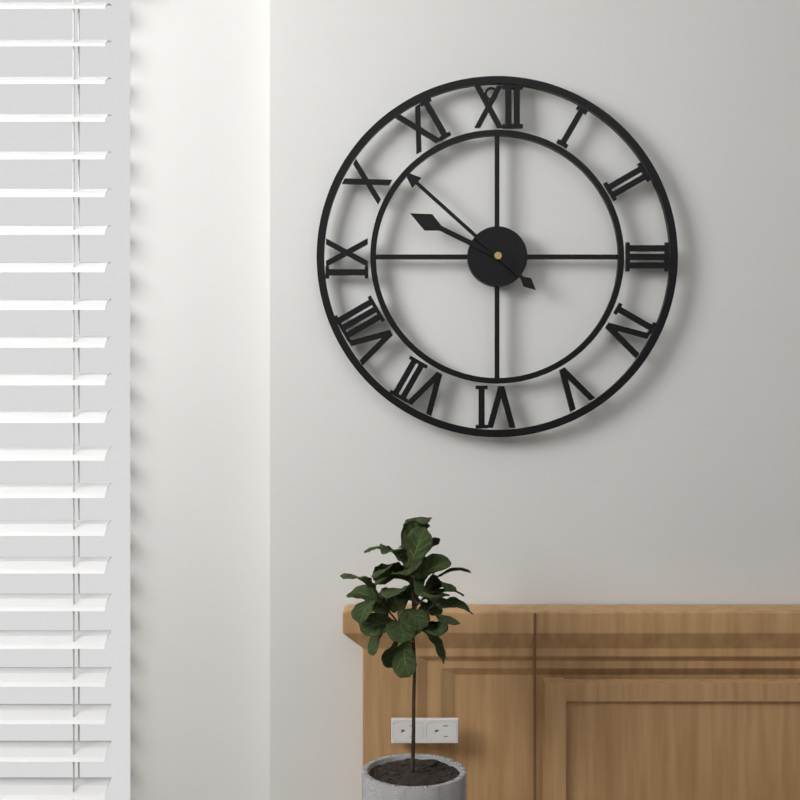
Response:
9.52
